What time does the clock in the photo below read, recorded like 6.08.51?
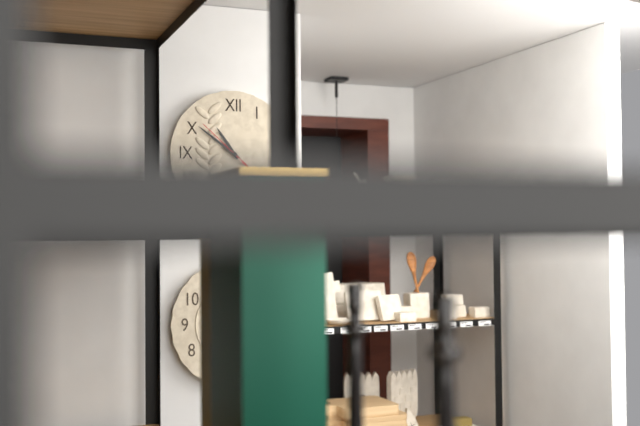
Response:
10.51.52
